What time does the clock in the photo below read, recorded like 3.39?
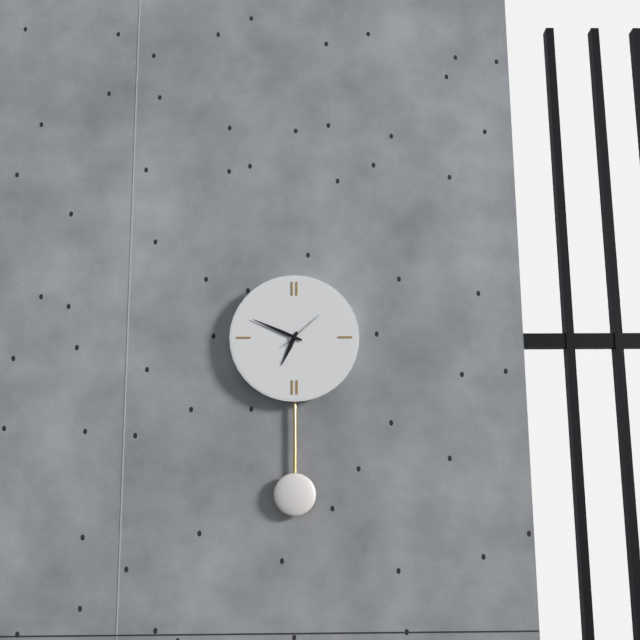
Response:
6.49
